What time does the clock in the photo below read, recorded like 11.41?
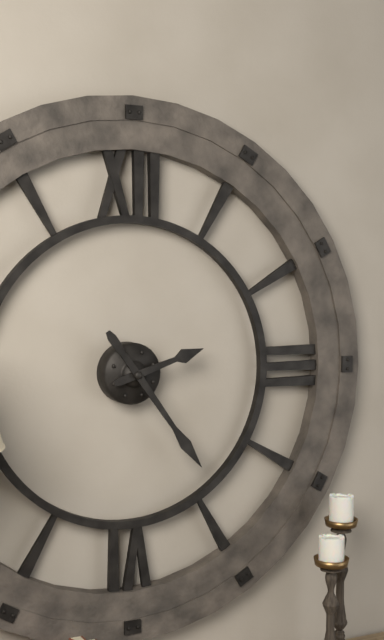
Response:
2.24
